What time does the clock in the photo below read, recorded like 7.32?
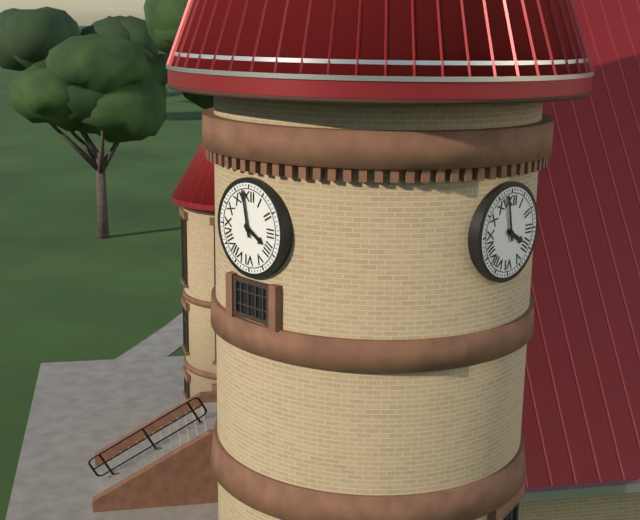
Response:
3.58
